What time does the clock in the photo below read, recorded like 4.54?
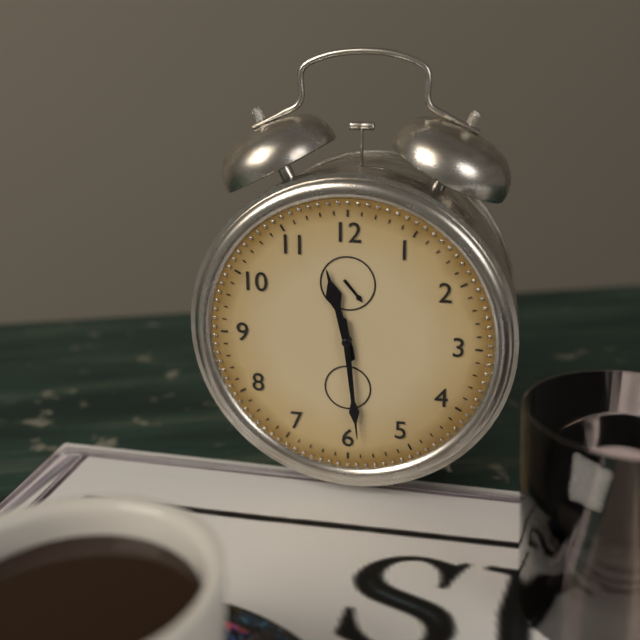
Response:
11.29
